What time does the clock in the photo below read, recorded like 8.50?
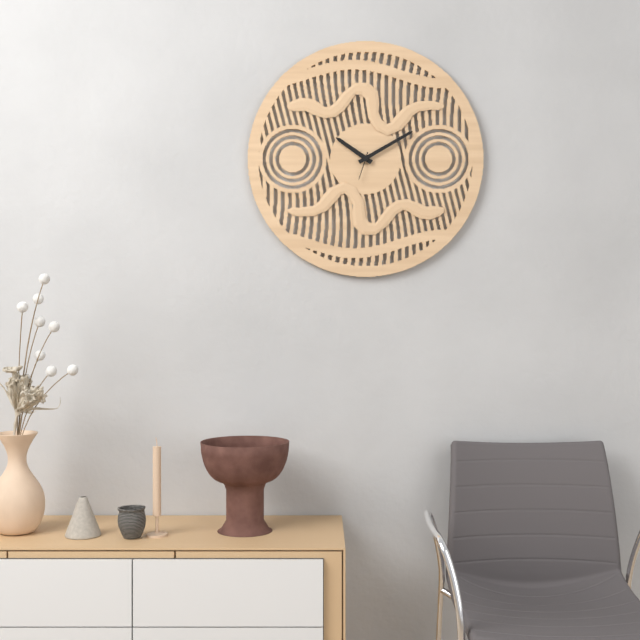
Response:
10.10
